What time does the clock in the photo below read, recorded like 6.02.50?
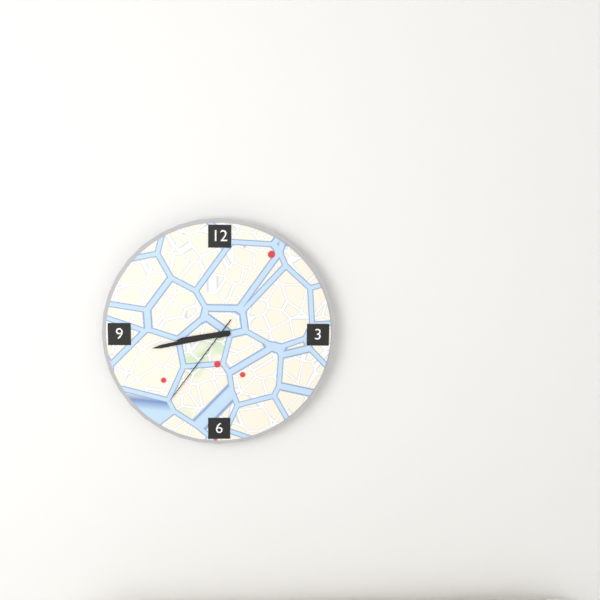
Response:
8.43.36
